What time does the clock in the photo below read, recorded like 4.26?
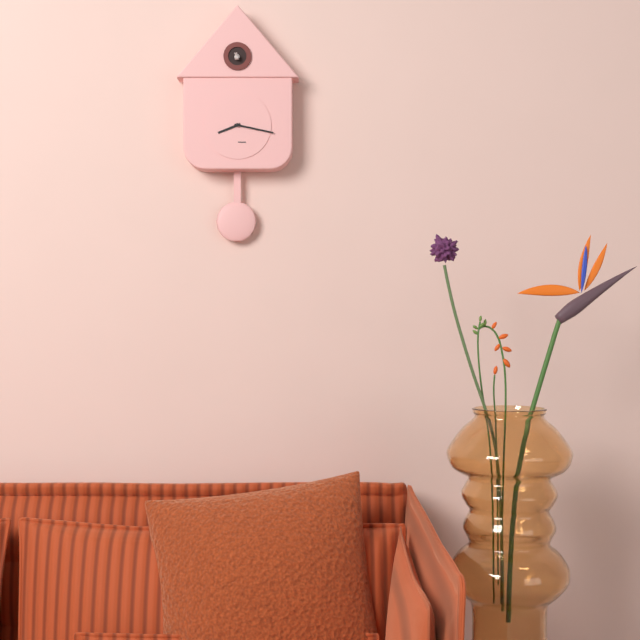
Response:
8.17
